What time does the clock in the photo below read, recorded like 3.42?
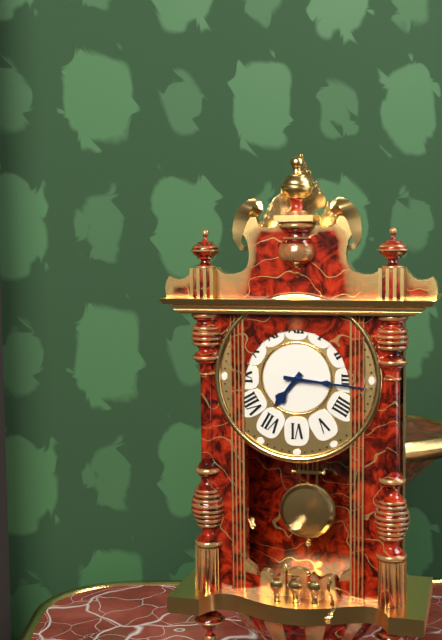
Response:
7.16
